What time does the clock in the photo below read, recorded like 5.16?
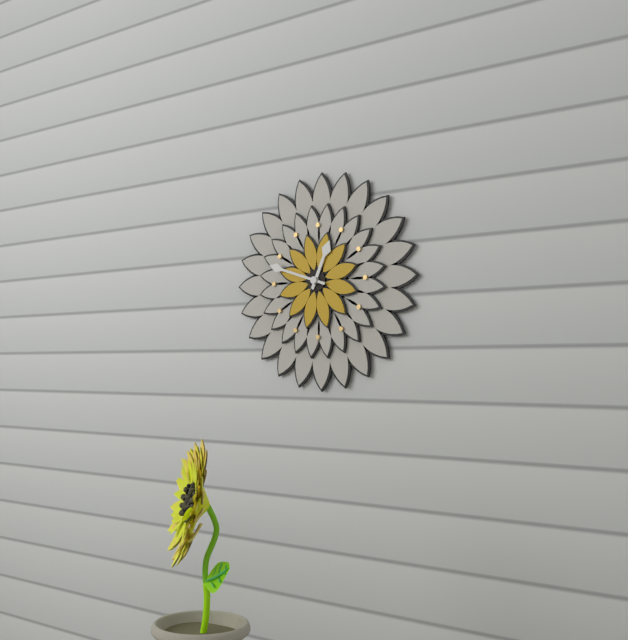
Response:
12.48
